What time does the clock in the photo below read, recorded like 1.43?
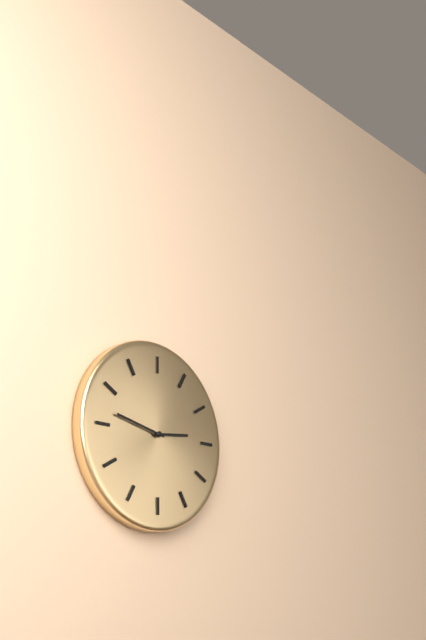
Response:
2.47
